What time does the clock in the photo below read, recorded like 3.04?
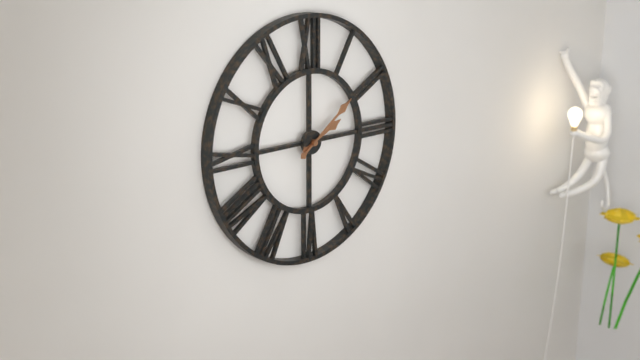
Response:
2.09
